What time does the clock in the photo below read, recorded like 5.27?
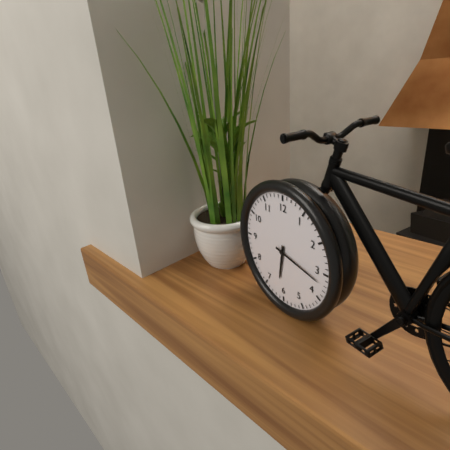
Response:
6.17
